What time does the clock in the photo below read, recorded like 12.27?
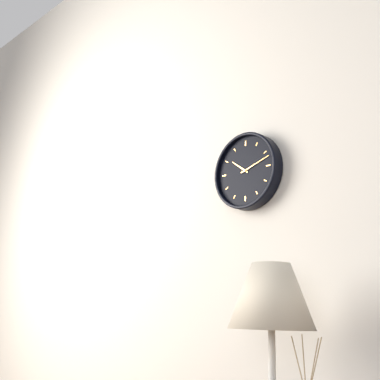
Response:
10.12
